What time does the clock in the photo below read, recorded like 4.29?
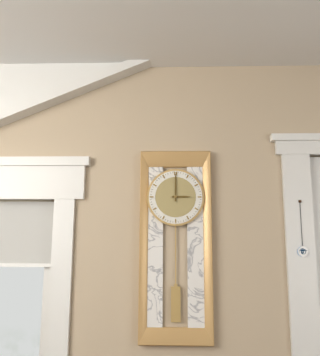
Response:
3.00
